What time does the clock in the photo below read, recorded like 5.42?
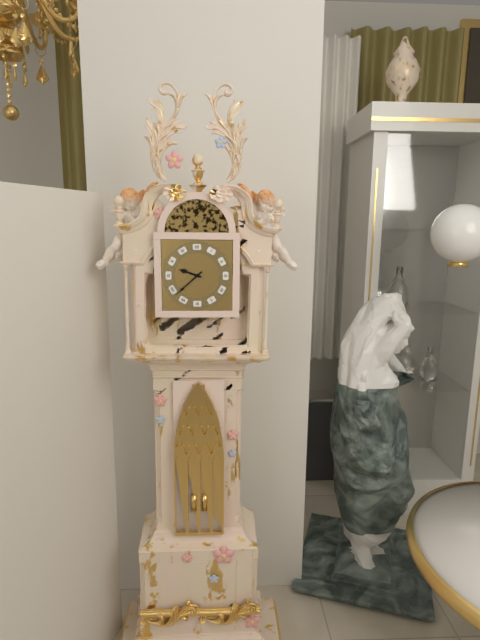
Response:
9.38
